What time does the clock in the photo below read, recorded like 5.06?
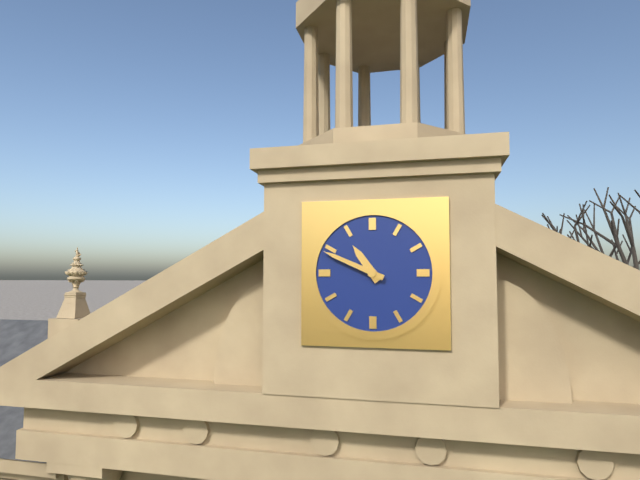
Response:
10.49
